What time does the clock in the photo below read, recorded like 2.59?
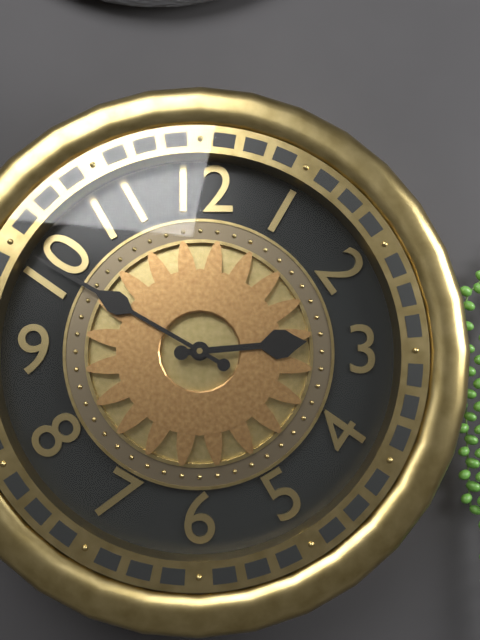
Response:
2.50
